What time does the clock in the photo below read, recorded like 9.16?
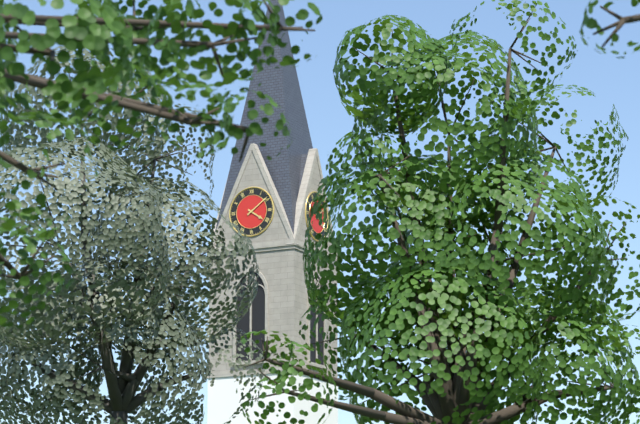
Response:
4.09
